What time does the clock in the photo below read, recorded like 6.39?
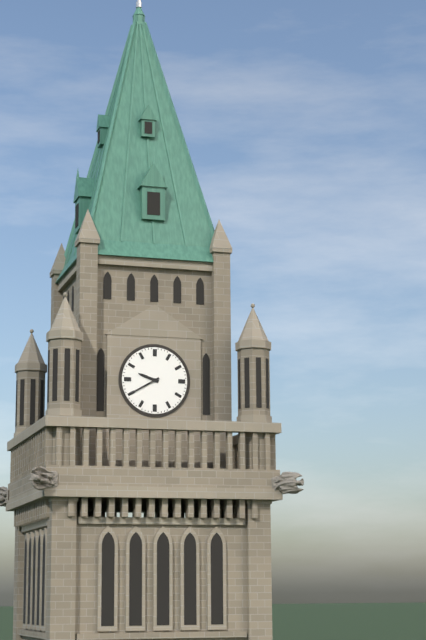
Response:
9.40
